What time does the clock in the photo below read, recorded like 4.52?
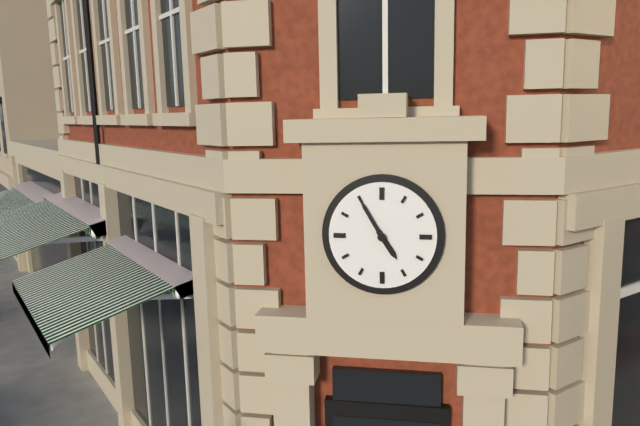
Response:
4.55
